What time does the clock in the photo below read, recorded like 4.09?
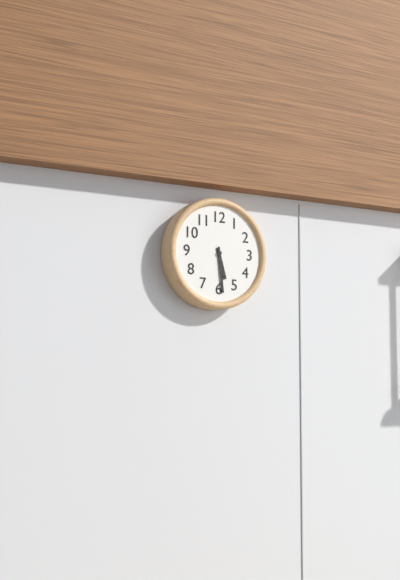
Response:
5.29
